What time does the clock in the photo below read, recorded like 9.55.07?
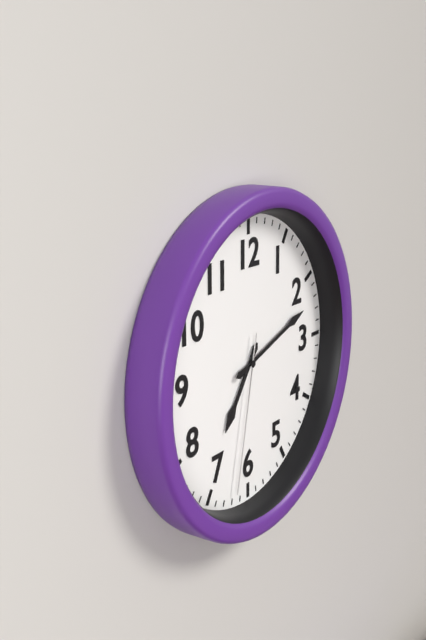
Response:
7.12.32
